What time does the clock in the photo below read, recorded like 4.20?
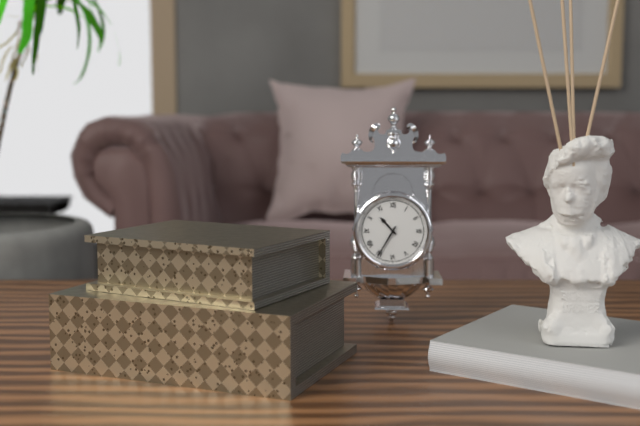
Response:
10.35
